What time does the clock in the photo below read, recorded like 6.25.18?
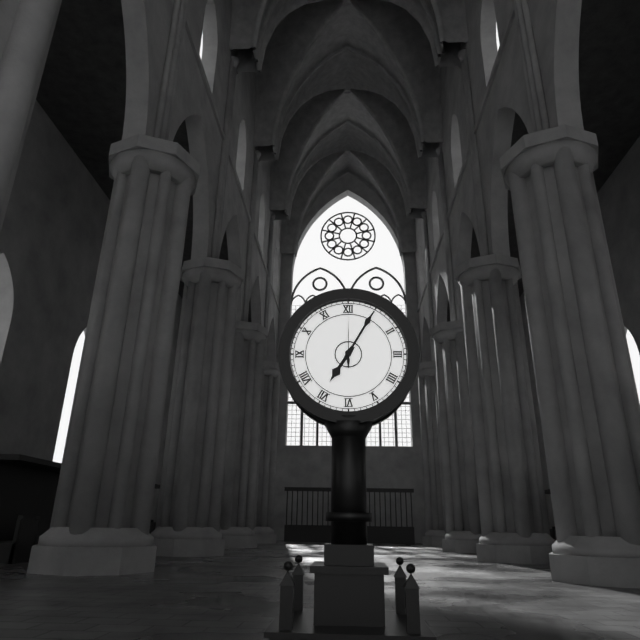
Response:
7.05.00
